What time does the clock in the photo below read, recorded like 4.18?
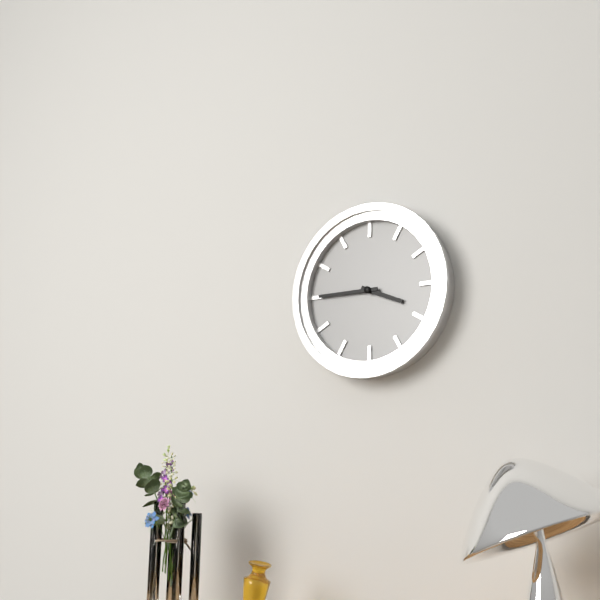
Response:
3.45
